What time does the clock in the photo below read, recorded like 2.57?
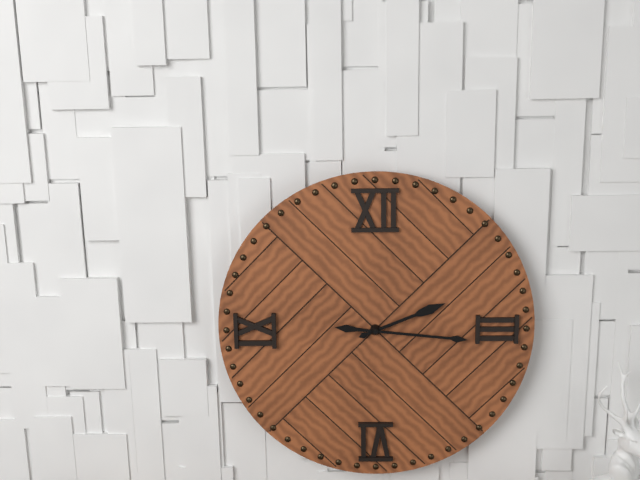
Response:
2.16
